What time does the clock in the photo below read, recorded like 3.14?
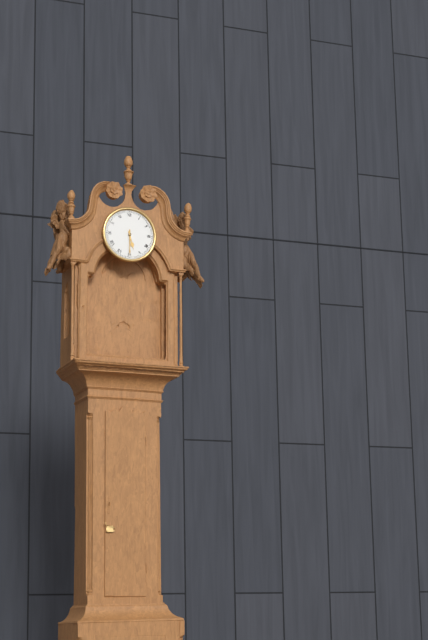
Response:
5.30
